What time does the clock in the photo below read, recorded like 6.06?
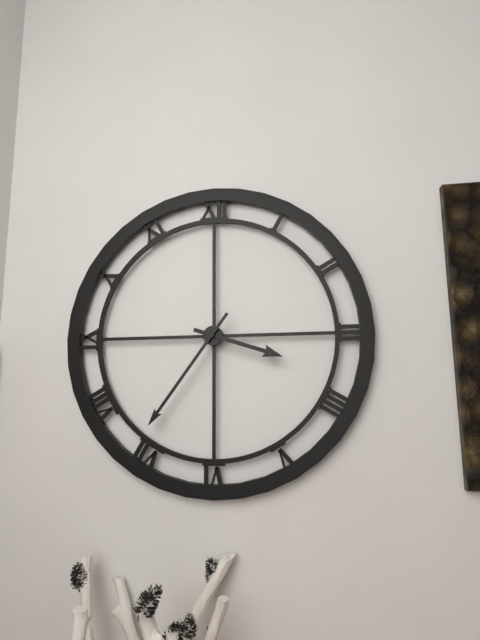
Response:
3.36
